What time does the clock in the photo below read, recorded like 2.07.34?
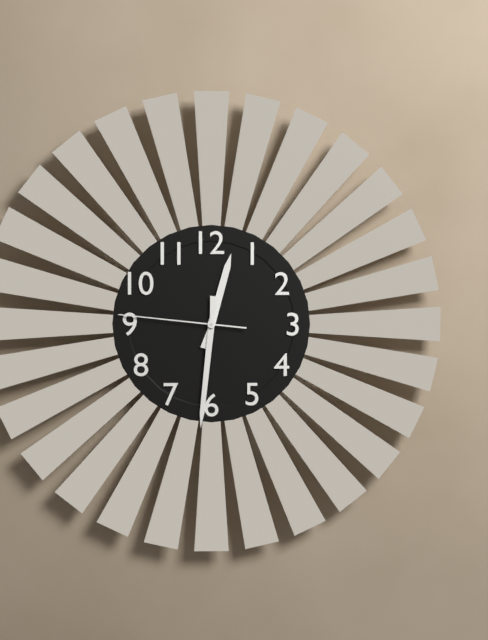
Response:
12.31.46
